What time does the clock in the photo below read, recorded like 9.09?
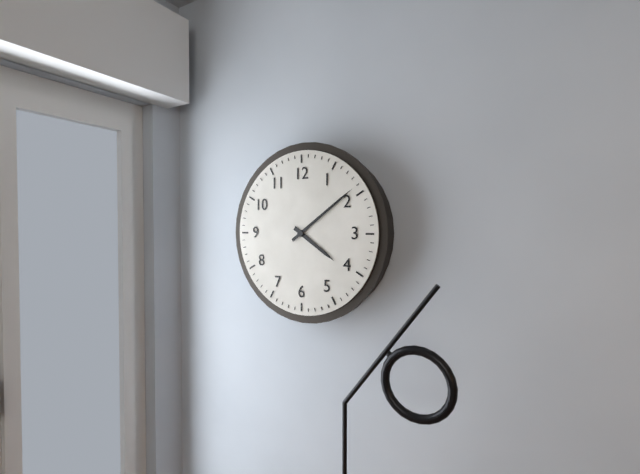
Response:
4.09
